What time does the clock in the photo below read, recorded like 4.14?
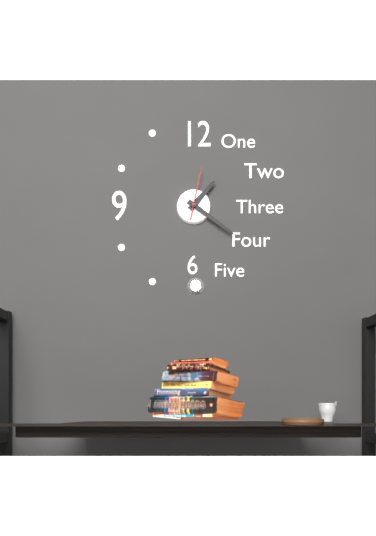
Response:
1.21
